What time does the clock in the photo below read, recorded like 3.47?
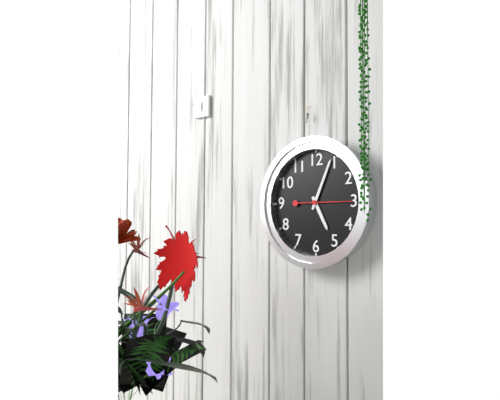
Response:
5.04
